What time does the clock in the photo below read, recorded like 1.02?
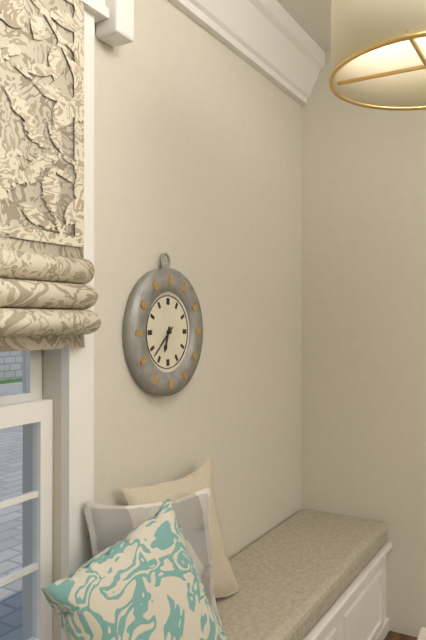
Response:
6.38
